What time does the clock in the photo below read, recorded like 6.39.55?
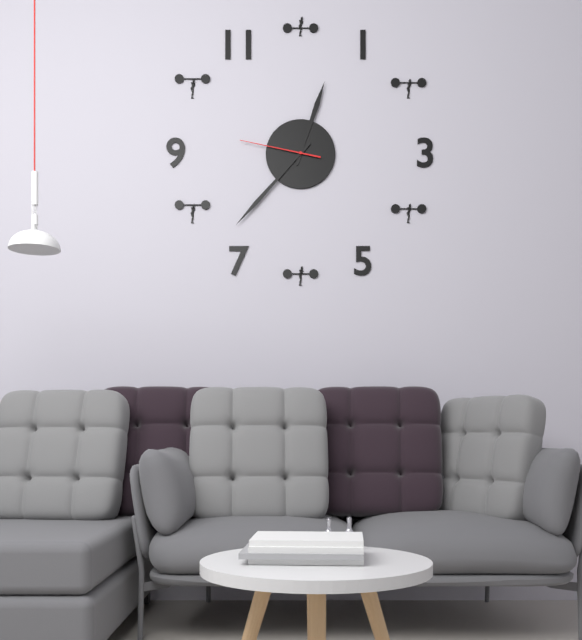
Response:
12.37.47
